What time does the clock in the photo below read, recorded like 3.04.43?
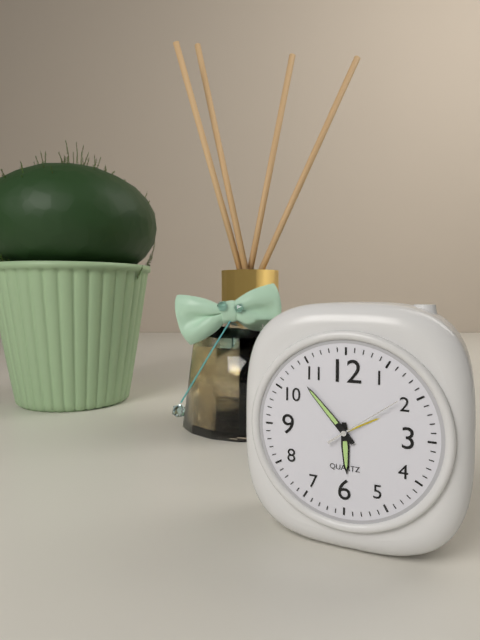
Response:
5.53.09
